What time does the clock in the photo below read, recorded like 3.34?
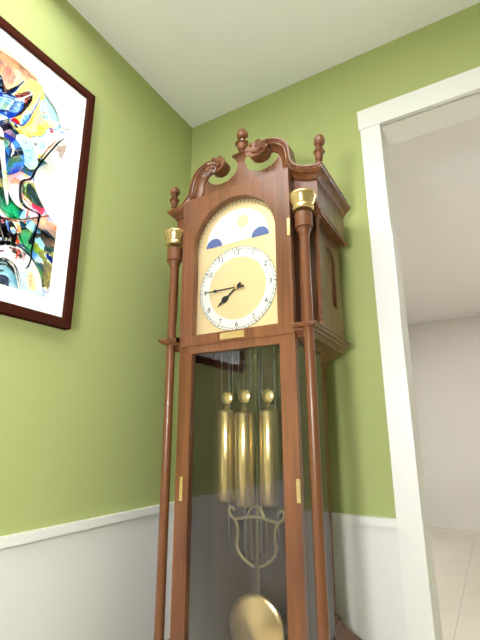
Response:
7.45
